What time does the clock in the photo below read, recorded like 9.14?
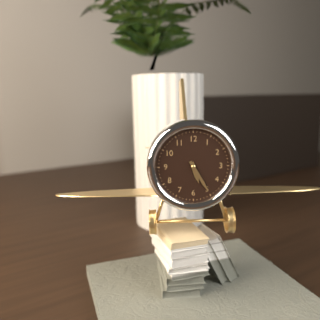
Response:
5.25
